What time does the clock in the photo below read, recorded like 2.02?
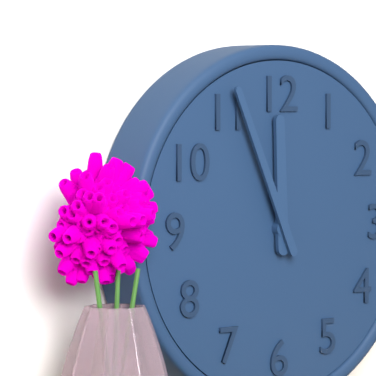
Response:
11.56
